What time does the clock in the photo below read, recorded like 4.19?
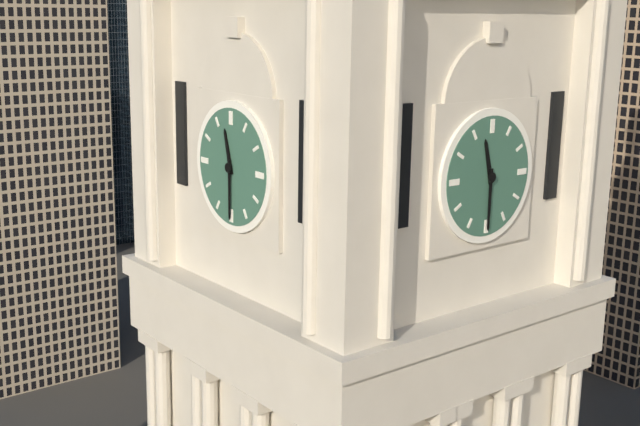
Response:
11.30
